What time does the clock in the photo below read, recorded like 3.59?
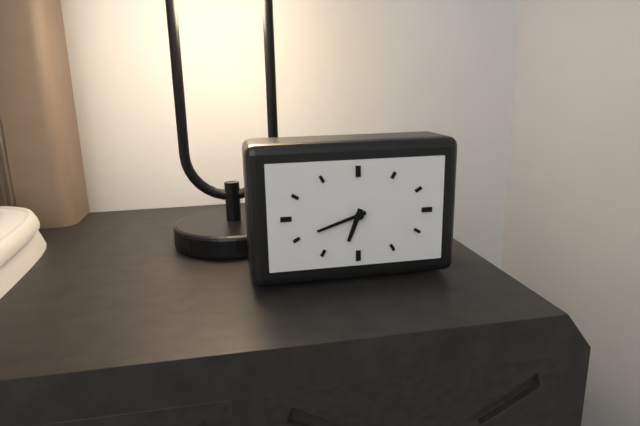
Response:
6.42
